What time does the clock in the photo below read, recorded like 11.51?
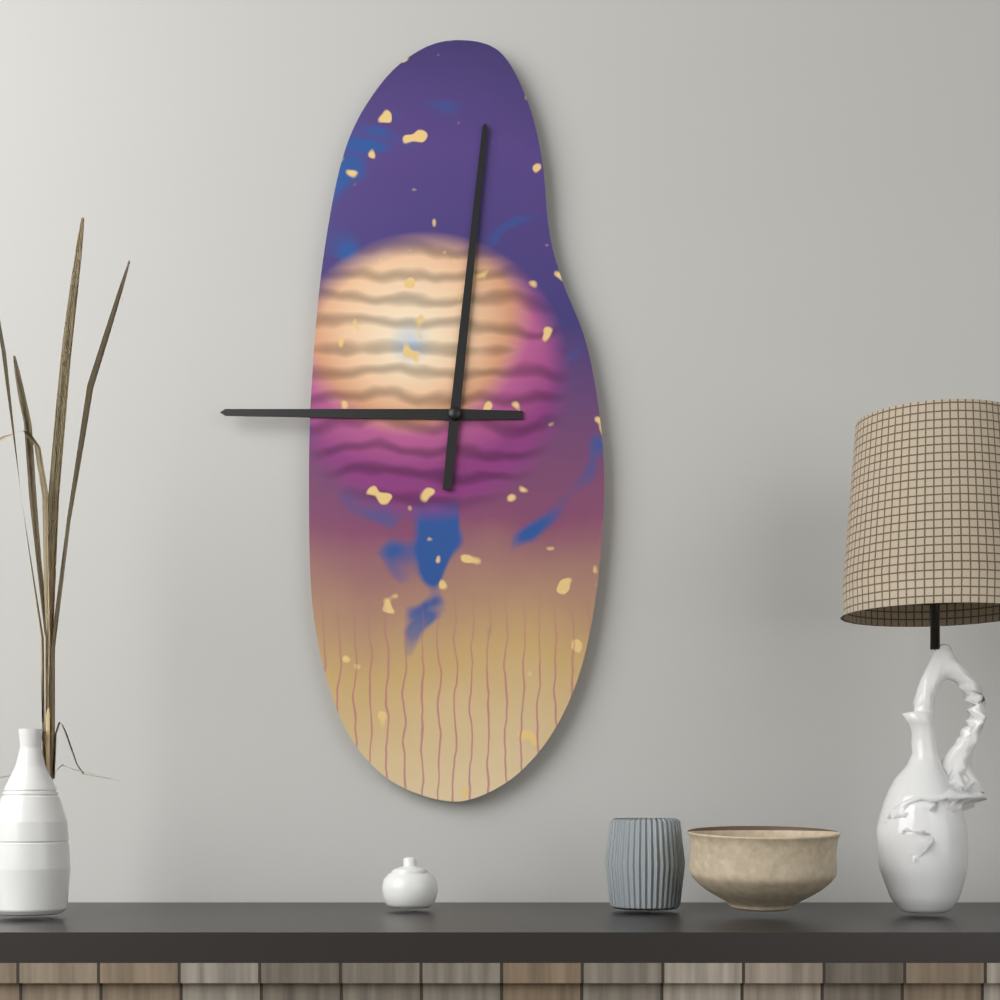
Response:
9.01
